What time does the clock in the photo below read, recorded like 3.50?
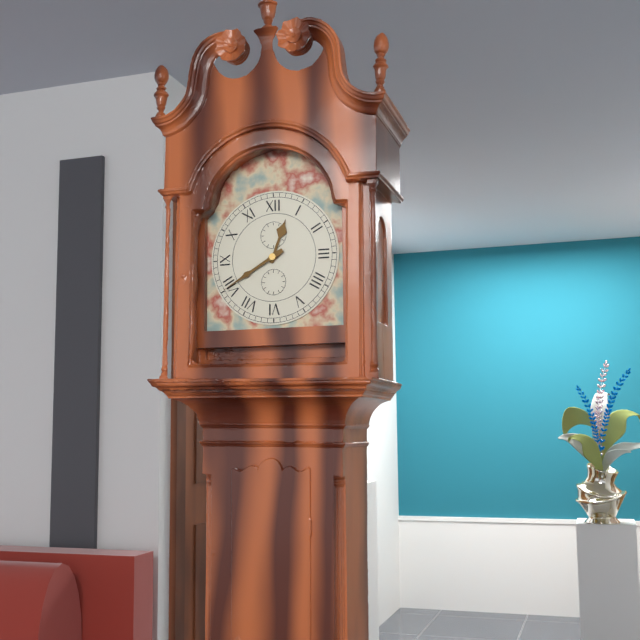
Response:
12.40
